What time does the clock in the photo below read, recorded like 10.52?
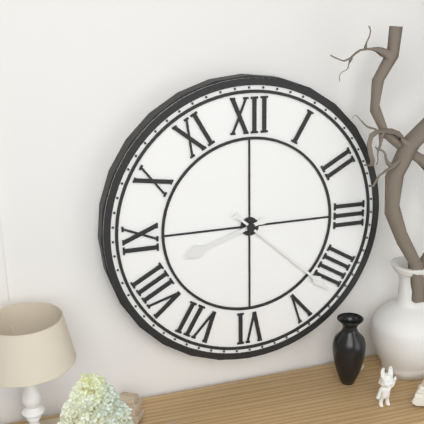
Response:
8.22
